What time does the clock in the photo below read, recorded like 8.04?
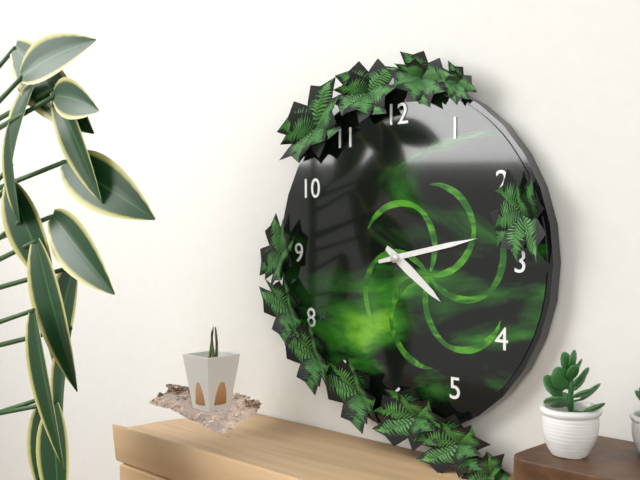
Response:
4.13
